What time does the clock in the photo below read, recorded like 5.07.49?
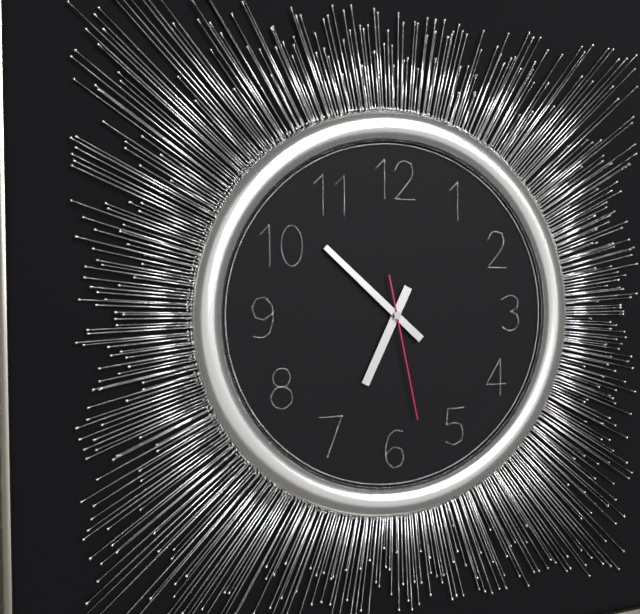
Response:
6.52.28
